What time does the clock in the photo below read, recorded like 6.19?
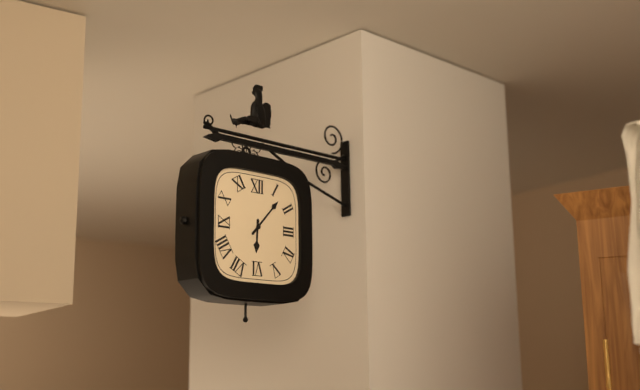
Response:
6.07
